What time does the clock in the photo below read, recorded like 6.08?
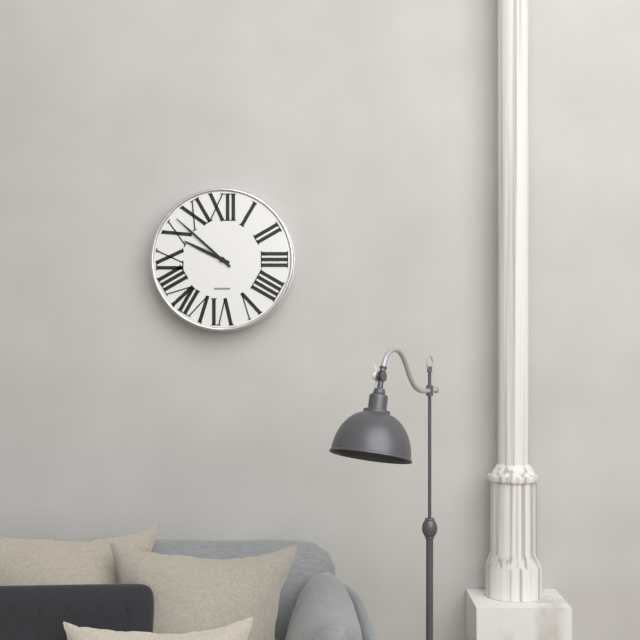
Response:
9.52
